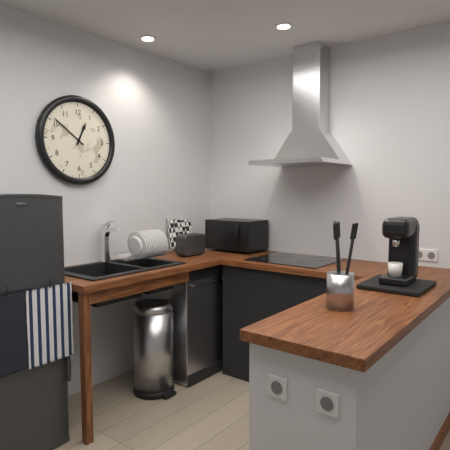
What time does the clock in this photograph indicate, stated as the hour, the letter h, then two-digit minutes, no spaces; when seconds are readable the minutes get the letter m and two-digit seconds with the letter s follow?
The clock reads 12h51
